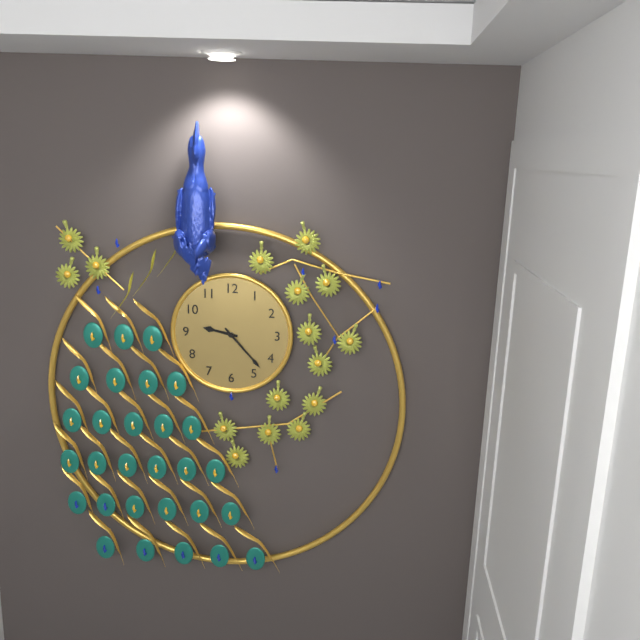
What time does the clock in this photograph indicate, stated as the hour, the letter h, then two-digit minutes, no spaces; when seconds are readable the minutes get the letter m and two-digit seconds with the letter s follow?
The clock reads 9h23
